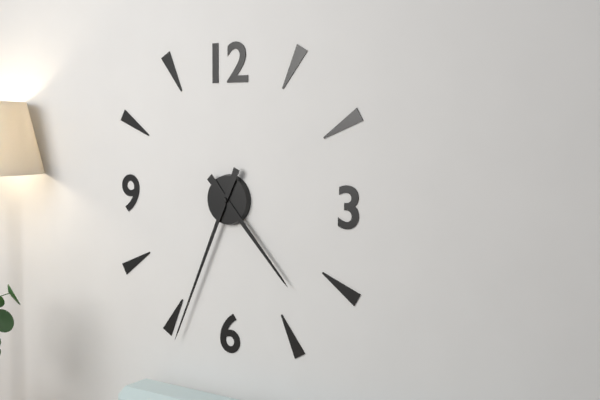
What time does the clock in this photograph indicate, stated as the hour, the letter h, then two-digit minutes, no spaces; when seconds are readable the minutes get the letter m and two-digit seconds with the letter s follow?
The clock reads 4h34
